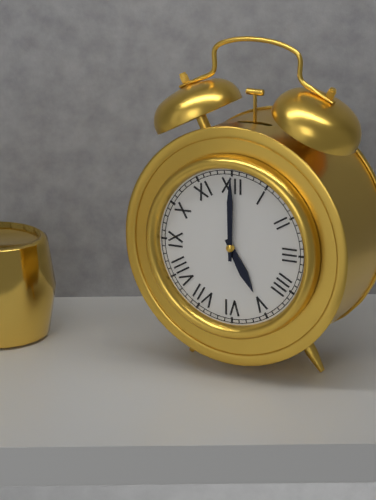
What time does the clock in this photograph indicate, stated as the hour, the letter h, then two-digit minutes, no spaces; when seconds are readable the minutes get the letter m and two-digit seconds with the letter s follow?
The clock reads 5h00
